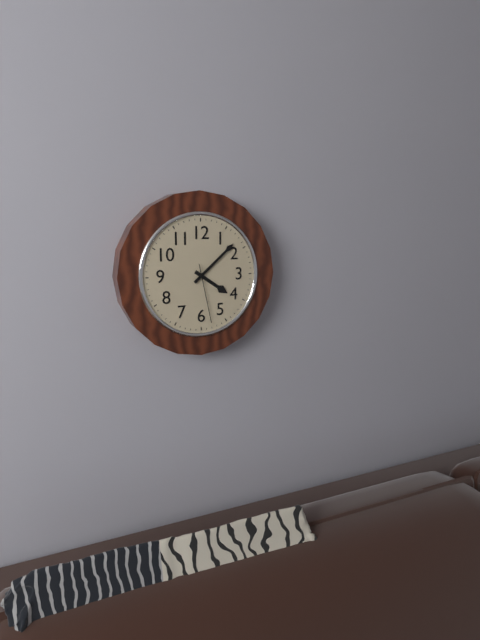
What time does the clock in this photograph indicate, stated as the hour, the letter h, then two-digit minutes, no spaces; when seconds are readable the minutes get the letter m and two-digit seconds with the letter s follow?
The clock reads 4h08m28s
